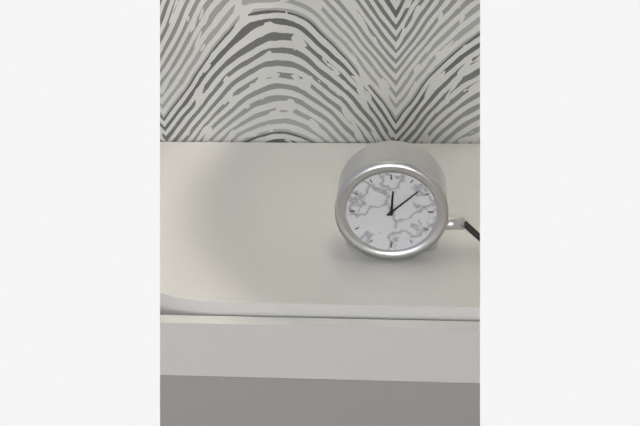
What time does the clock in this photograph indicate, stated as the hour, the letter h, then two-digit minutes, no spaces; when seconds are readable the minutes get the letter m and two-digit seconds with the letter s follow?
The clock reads 12h08
